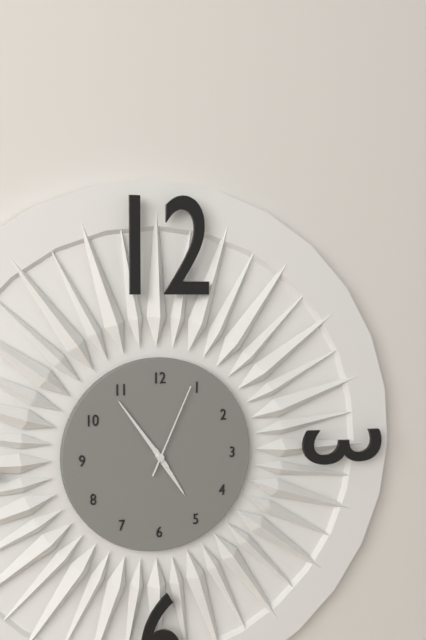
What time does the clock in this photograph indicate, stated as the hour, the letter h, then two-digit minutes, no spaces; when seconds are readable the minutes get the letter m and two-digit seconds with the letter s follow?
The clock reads 4h54m04s
